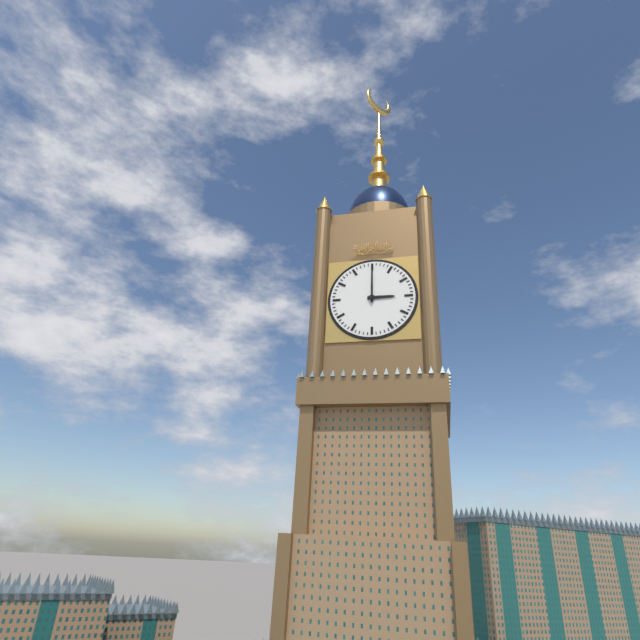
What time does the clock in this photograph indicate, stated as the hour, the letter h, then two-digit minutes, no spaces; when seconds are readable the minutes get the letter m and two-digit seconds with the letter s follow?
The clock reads 3h00
